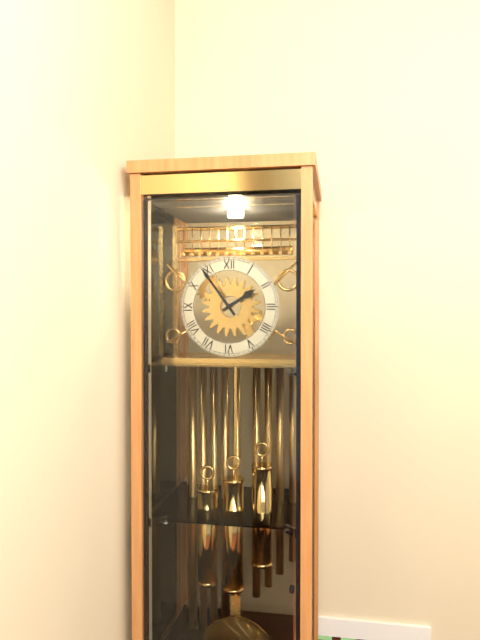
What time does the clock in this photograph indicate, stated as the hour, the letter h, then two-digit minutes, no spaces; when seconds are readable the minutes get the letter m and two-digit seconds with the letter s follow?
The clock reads 1h54
